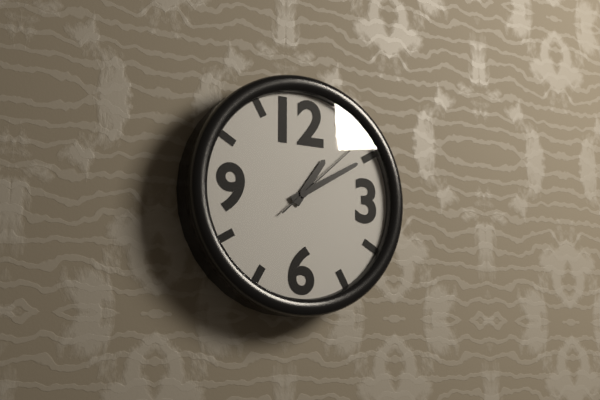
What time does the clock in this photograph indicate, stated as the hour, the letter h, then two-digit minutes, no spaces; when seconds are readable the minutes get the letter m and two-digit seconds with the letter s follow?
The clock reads 1h10m08s
